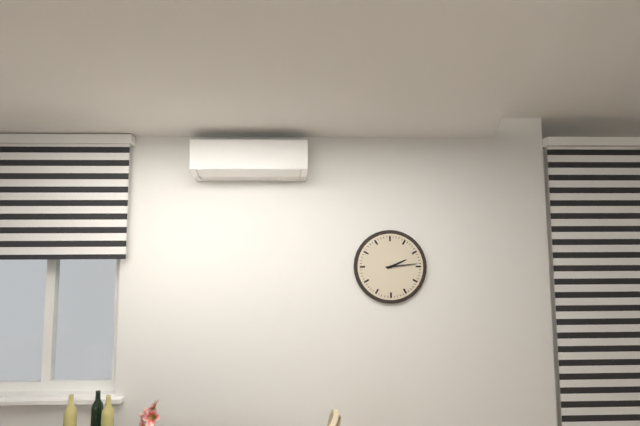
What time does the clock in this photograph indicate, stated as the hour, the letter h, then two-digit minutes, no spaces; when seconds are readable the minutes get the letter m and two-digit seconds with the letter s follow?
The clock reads 2h14
